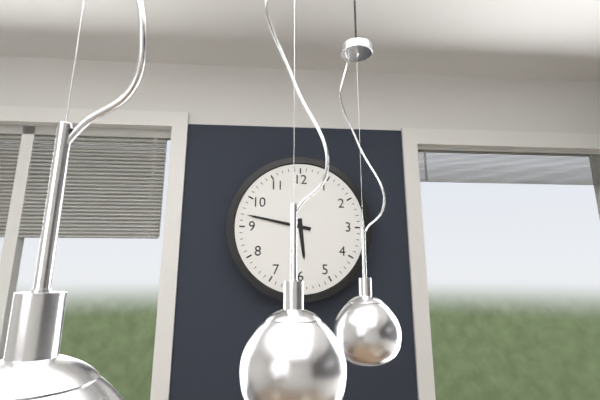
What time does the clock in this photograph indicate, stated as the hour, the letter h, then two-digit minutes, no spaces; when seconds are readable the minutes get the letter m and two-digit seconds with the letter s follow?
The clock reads 5h47
